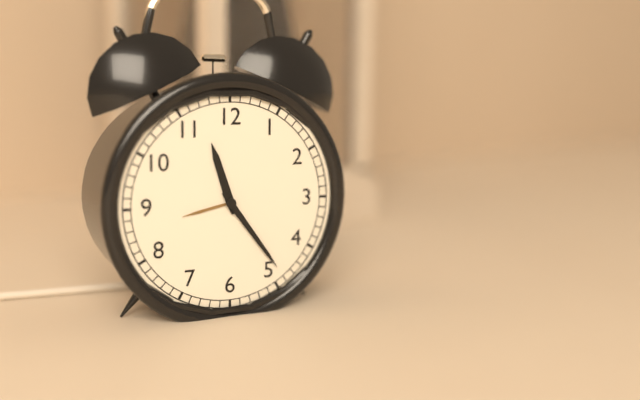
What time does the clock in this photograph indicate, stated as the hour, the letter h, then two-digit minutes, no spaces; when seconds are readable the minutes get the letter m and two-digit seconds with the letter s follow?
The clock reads 11h24
